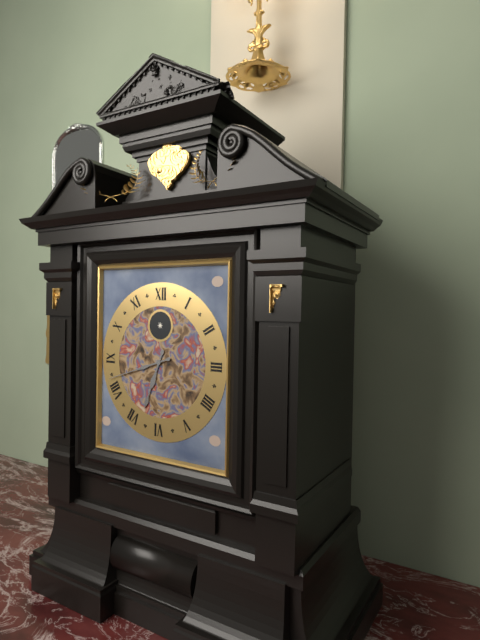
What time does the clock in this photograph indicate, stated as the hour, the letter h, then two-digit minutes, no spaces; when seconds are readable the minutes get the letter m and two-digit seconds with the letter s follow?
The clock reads 6h42
